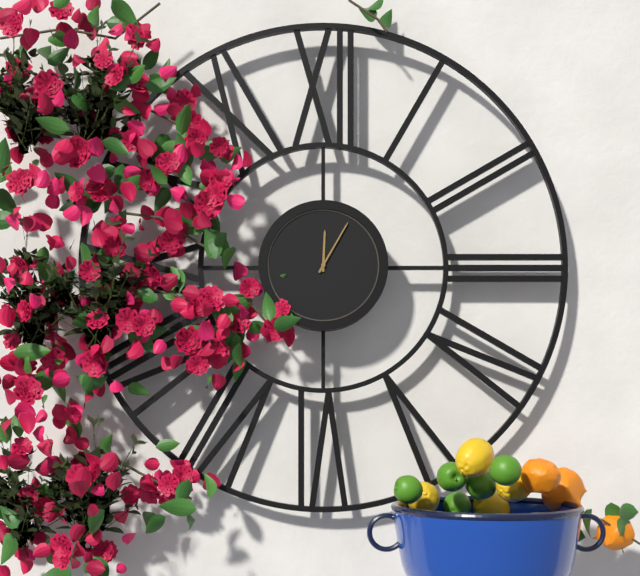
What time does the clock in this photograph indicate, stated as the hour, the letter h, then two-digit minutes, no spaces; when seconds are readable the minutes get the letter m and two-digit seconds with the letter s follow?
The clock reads 12h05
